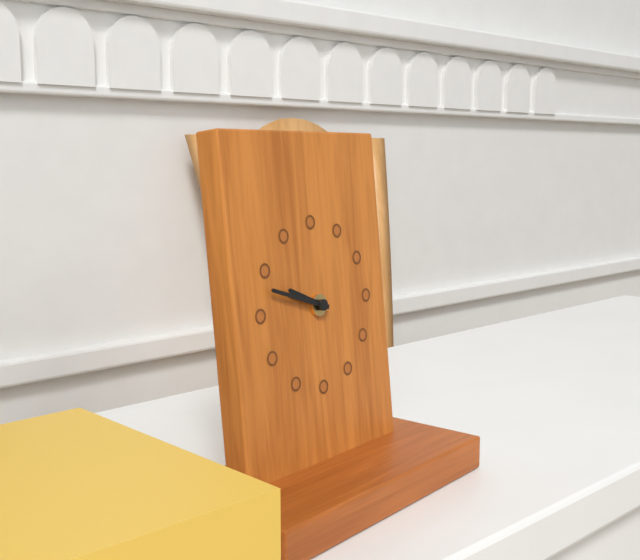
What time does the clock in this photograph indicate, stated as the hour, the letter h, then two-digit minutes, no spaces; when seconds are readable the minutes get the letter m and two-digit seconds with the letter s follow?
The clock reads 9h48
